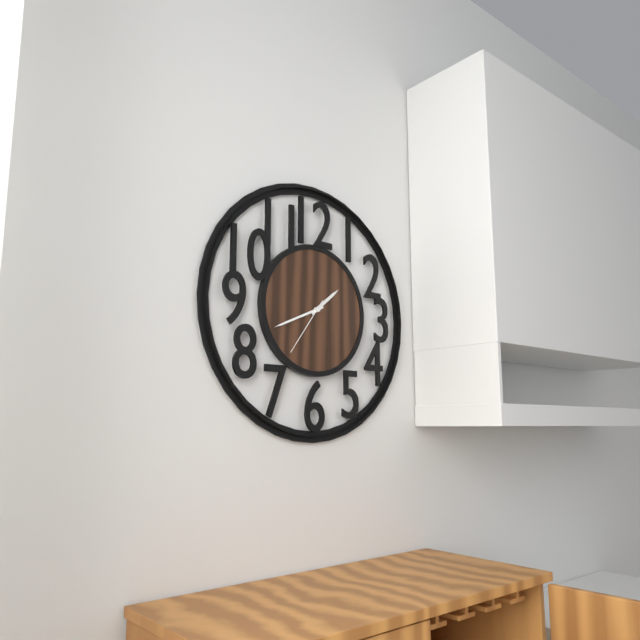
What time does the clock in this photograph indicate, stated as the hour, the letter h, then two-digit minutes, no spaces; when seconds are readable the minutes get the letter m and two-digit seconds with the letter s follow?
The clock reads 1h41m36s
